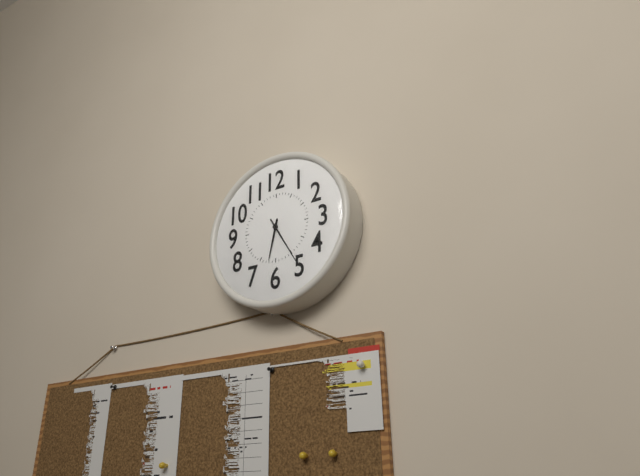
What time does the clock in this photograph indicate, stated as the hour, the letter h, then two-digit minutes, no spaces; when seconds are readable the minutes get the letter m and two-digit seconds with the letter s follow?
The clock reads 6h25
